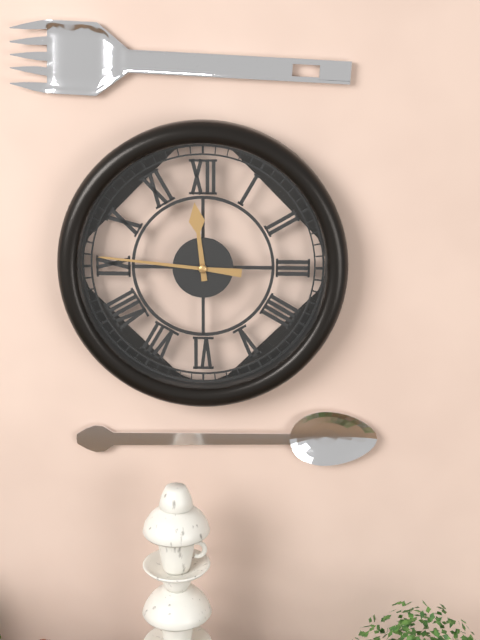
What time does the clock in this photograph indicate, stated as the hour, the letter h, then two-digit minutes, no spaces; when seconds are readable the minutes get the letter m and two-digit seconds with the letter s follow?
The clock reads 11h46
